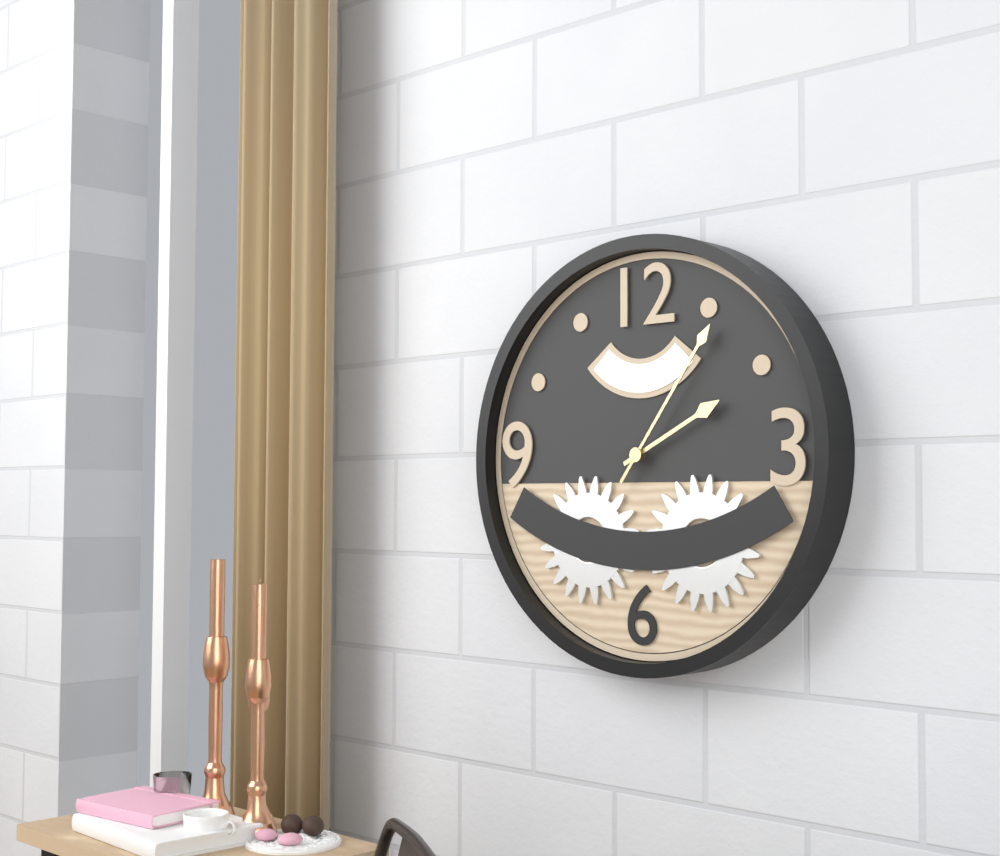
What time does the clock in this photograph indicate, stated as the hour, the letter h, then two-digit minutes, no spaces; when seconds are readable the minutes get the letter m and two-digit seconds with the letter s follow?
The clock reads 2h06
